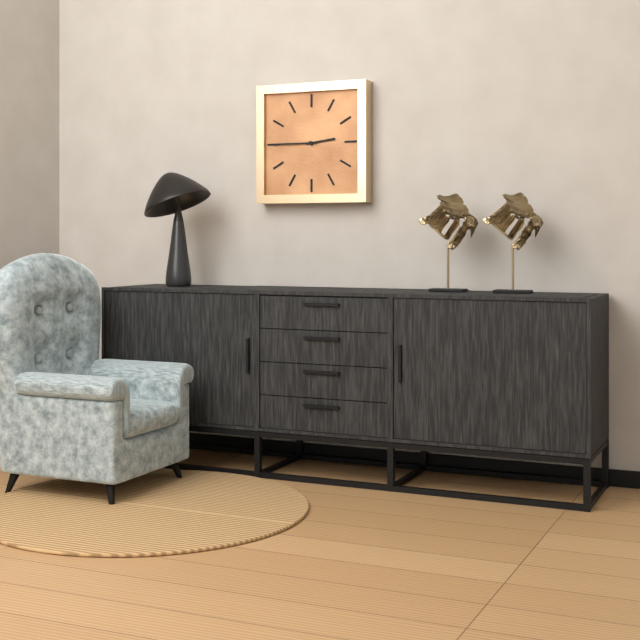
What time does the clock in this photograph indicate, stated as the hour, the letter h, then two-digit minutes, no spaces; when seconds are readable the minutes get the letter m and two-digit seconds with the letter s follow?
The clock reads 2h45
